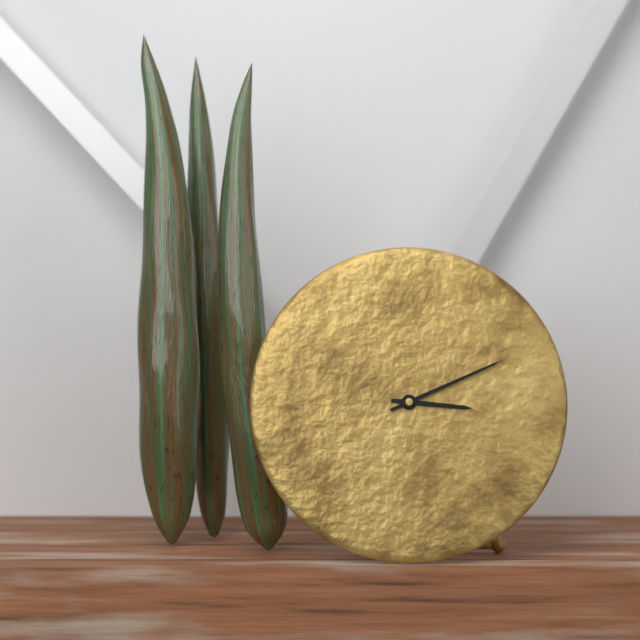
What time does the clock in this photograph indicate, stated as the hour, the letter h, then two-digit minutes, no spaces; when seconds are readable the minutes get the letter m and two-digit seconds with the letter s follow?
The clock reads 3h11
